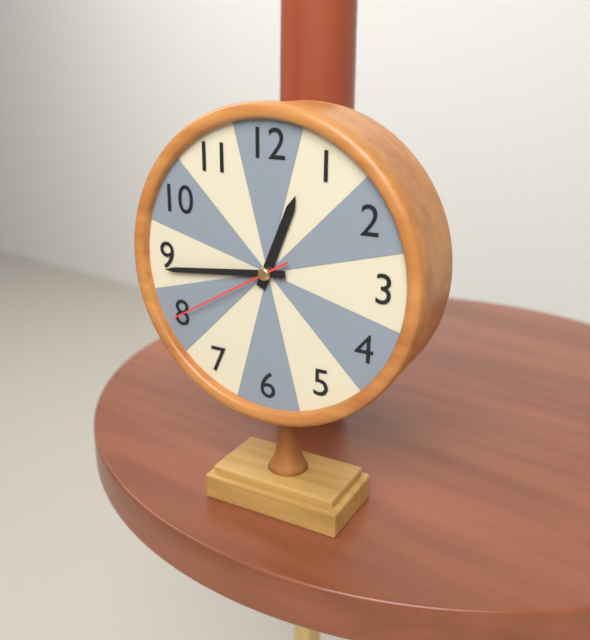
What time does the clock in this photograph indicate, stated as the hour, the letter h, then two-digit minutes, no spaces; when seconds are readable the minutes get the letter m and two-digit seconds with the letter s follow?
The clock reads 12h44m40s
